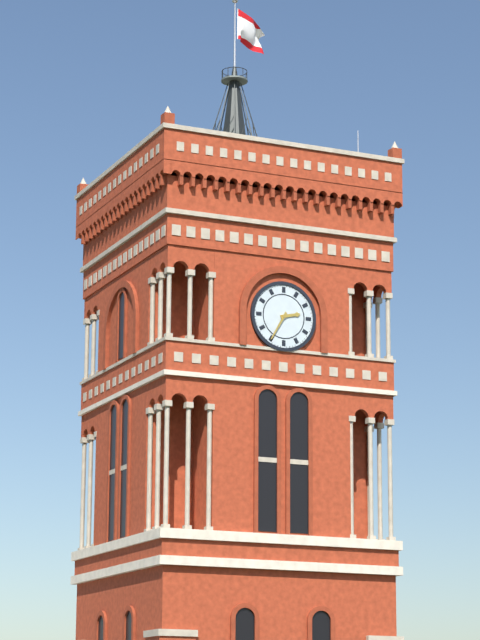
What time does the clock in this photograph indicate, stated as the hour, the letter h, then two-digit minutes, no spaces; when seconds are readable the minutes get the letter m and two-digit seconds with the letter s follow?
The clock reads 2h35
